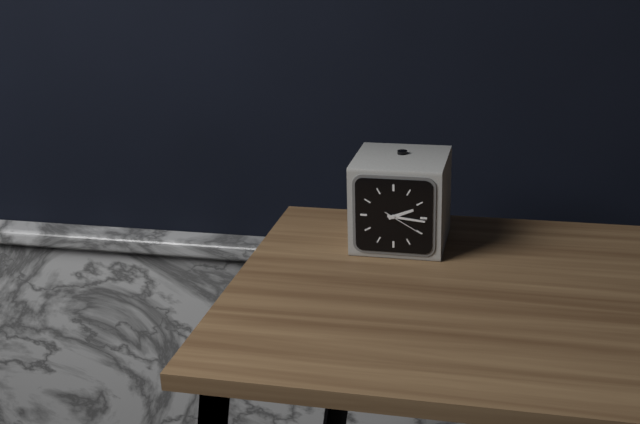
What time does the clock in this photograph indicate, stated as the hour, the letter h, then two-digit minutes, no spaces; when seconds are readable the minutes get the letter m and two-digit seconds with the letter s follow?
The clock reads 2h16
